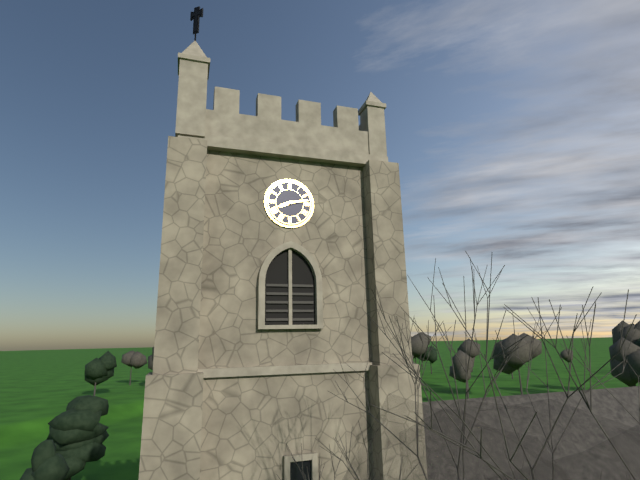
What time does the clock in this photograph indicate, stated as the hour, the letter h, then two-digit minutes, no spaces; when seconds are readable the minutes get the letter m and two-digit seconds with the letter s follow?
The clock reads 8h13
